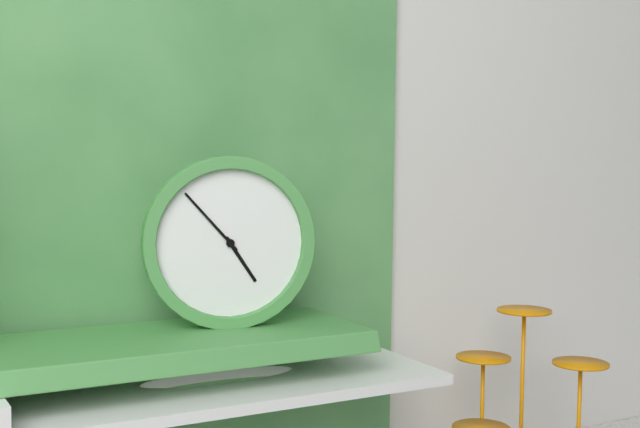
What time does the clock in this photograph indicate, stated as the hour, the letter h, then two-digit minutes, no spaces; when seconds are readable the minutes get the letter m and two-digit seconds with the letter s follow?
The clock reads 4h53
